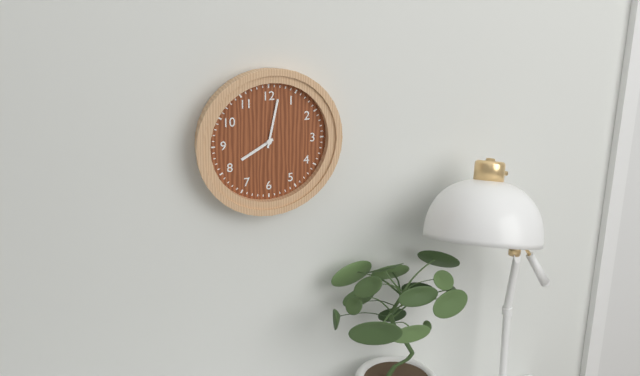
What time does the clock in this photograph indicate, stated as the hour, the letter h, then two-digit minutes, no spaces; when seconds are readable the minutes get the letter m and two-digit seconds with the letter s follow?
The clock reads 8h02
